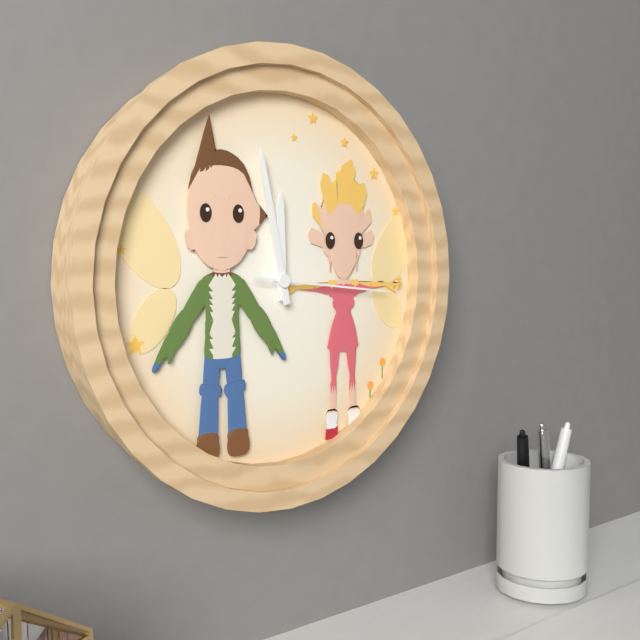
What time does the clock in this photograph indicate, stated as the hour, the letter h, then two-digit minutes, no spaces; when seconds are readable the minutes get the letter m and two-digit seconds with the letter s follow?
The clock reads 11h58m16s
